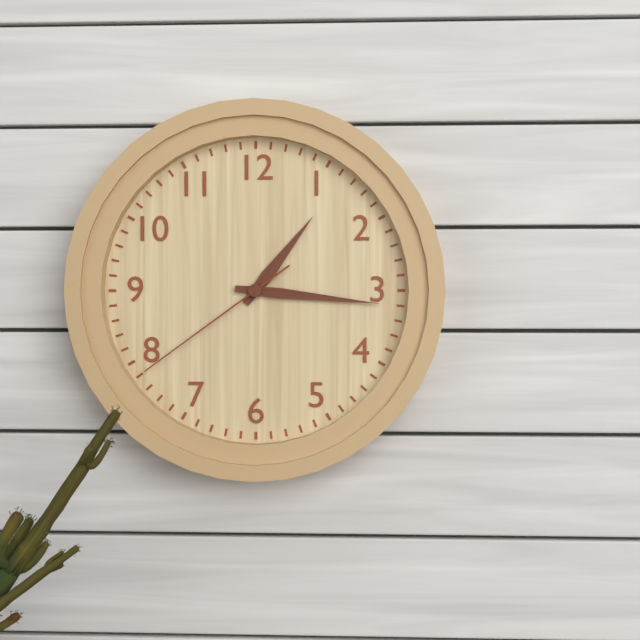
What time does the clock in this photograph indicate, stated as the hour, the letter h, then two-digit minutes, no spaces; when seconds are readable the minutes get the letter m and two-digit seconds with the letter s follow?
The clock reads 1h16m39s
